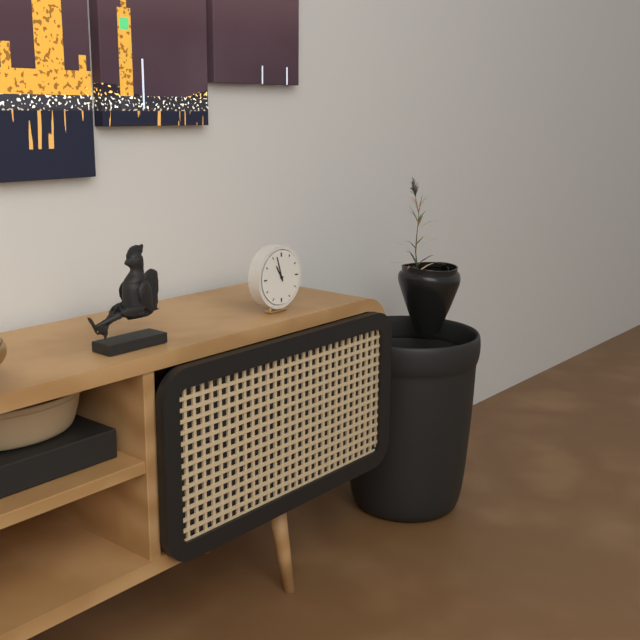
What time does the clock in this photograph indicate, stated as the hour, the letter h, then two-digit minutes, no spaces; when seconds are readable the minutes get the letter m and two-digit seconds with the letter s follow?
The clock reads 10h57
